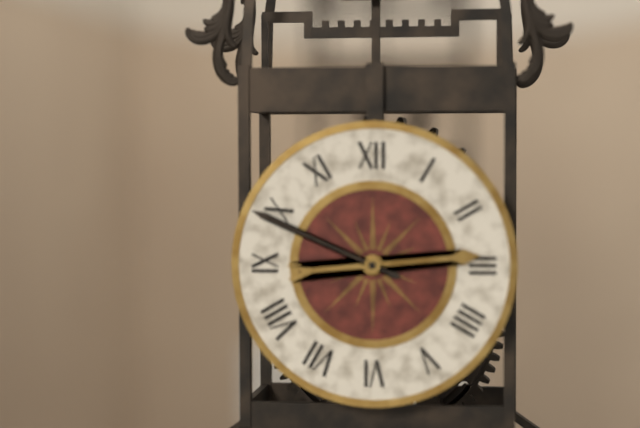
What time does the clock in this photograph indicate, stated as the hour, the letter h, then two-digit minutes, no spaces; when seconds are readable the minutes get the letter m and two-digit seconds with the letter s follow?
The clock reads 2h49
